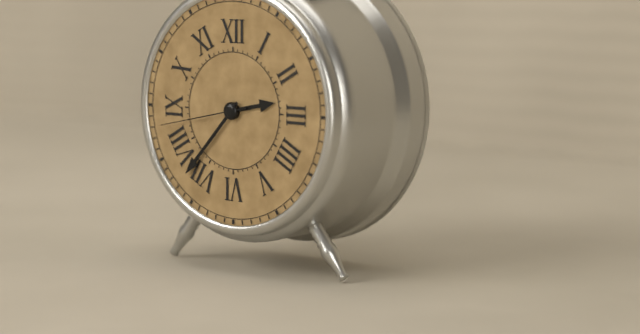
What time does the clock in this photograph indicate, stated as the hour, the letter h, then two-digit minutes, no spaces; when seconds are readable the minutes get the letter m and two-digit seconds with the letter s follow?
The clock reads 2h37m43s
